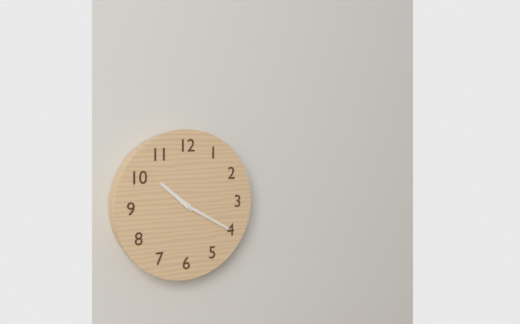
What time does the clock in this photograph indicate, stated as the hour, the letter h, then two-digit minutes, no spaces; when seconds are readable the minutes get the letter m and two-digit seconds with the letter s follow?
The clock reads 10h20
